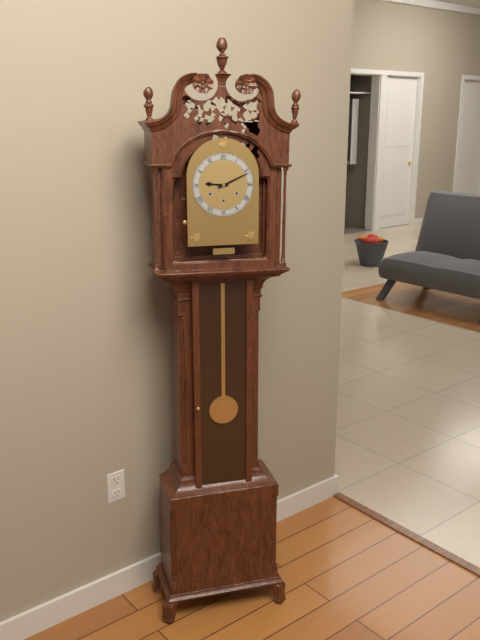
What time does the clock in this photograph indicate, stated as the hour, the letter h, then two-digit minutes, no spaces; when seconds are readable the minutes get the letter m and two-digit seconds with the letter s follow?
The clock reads 9h11
